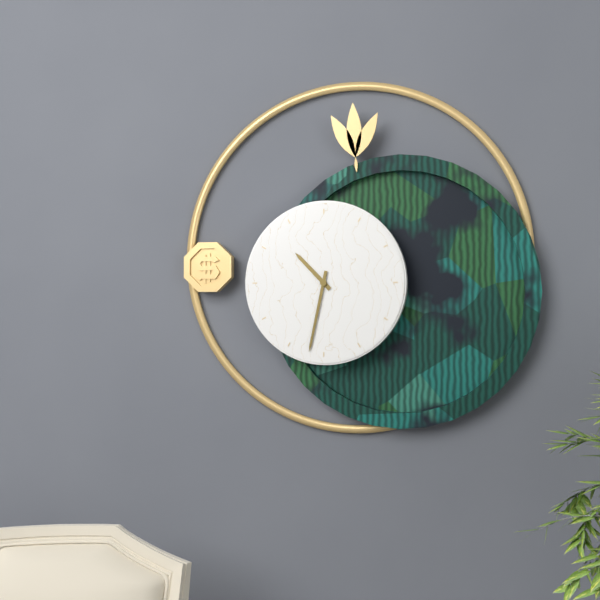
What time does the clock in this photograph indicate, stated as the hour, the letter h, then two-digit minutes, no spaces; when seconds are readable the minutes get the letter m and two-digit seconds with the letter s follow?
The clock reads 10h32
